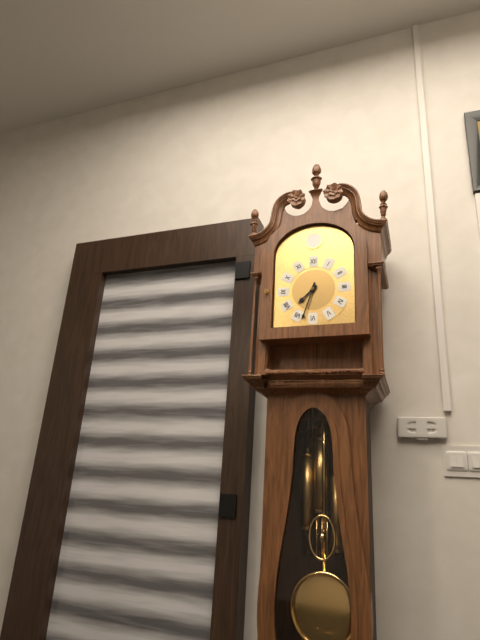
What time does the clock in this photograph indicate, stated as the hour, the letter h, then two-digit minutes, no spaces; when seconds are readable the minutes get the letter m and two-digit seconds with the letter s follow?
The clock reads 7h33
